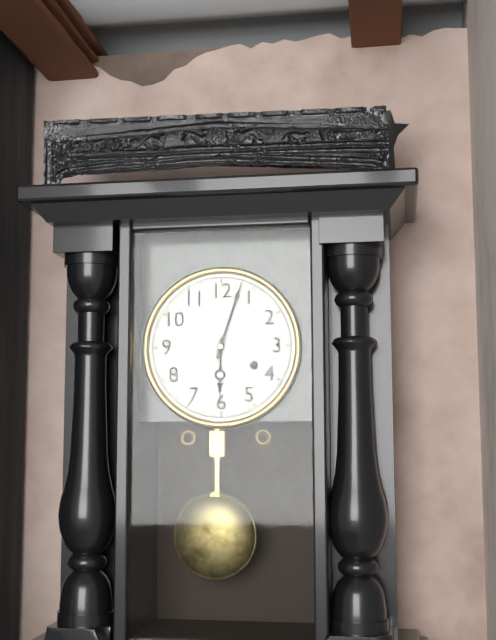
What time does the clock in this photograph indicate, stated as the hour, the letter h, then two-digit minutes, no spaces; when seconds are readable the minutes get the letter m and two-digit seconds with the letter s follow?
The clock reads 6h03
